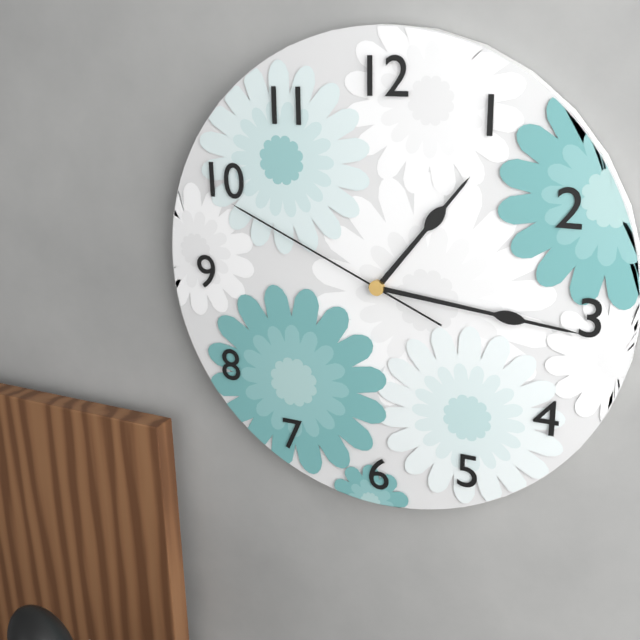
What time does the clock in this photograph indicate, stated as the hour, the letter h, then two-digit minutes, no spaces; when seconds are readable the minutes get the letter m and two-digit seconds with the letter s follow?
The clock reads 1h16m49s
